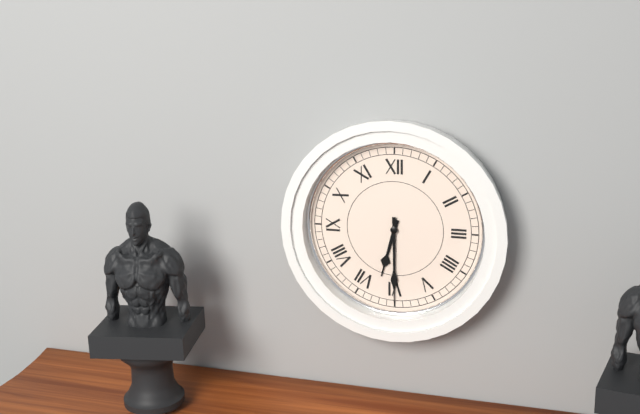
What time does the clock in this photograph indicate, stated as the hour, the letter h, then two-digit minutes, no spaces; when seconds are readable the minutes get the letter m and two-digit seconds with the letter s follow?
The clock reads 6h30
